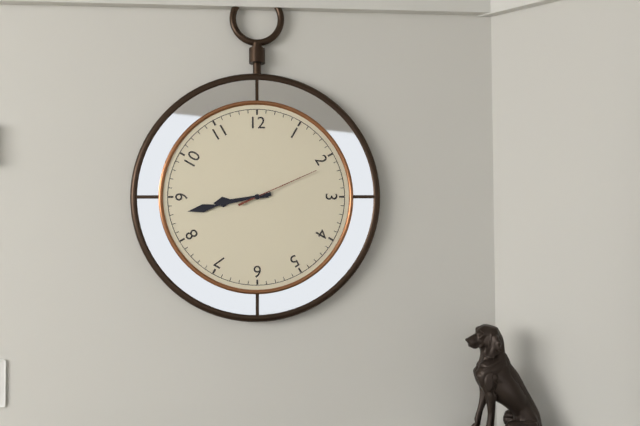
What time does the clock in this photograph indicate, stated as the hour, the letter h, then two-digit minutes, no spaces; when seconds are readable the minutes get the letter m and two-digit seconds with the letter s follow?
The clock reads 8h43m11s
